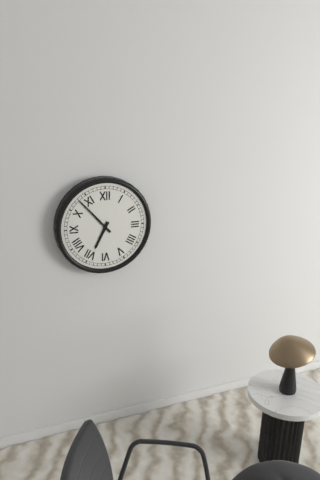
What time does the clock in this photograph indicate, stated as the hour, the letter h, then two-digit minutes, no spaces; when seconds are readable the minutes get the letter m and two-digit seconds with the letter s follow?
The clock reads 6h53
